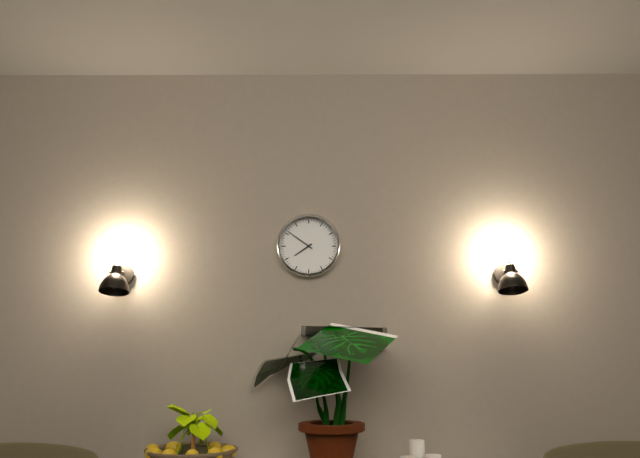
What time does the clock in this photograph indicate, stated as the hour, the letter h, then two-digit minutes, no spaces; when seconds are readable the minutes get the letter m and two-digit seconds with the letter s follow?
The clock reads 7h51
